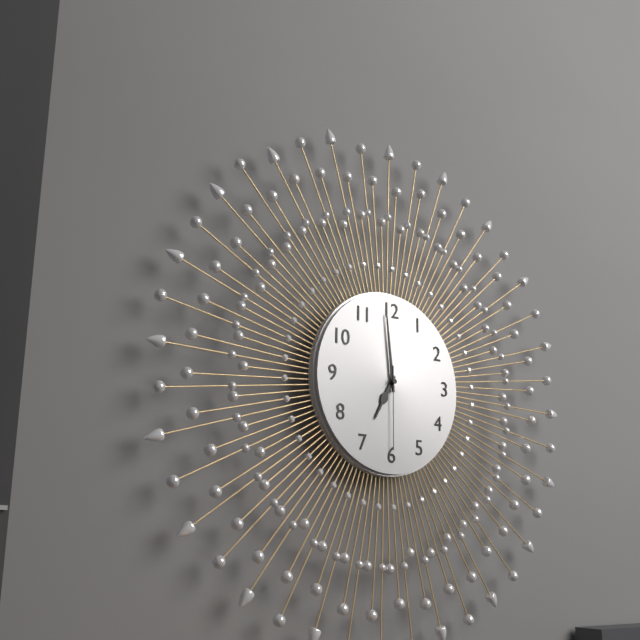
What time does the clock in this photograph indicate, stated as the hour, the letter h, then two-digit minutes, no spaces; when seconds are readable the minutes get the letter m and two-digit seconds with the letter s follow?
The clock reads 6h59m30s
